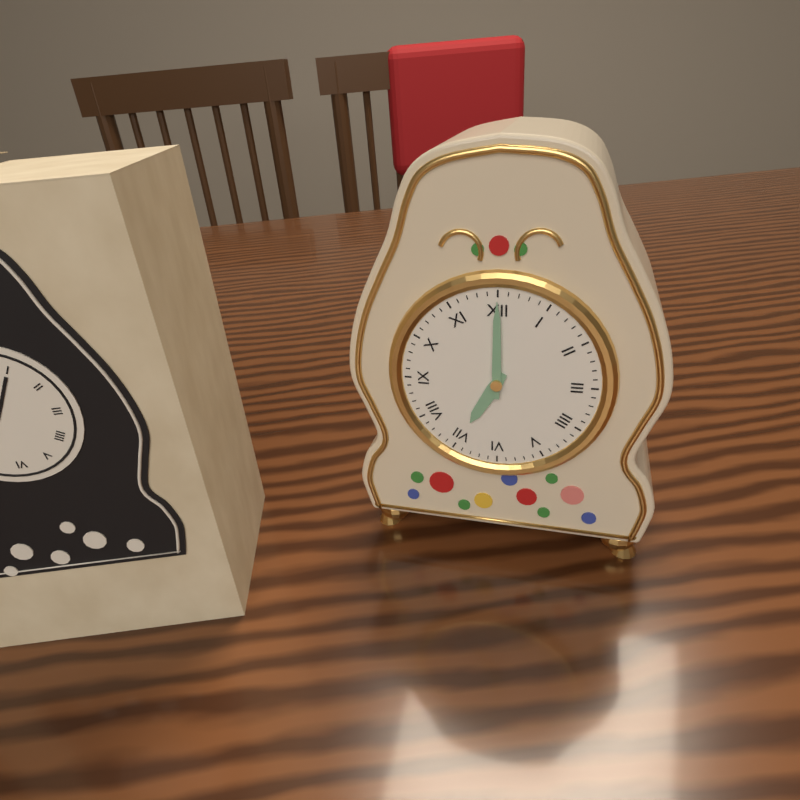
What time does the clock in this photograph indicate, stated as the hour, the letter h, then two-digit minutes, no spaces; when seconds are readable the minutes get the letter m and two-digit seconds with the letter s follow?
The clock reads 7h00
